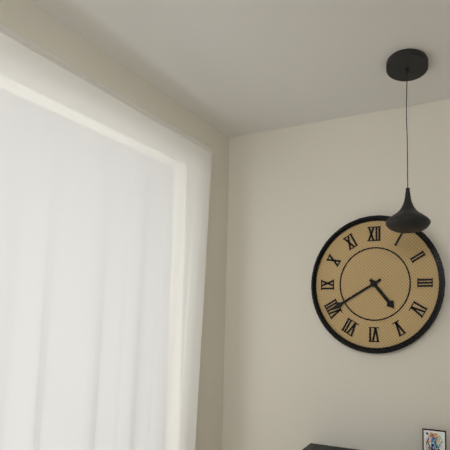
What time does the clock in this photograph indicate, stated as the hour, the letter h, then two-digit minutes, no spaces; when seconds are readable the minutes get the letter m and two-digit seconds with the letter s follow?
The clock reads 4h40
